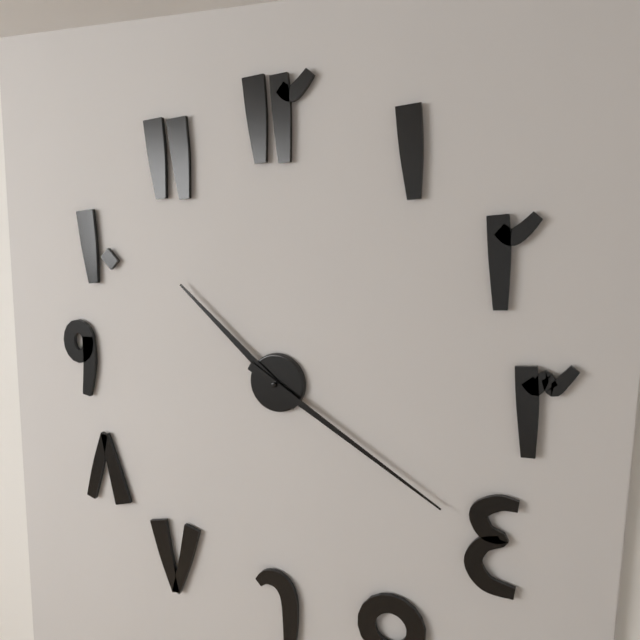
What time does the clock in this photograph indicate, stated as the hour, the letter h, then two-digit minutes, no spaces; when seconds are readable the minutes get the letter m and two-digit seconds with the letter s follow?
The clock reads 10h20
